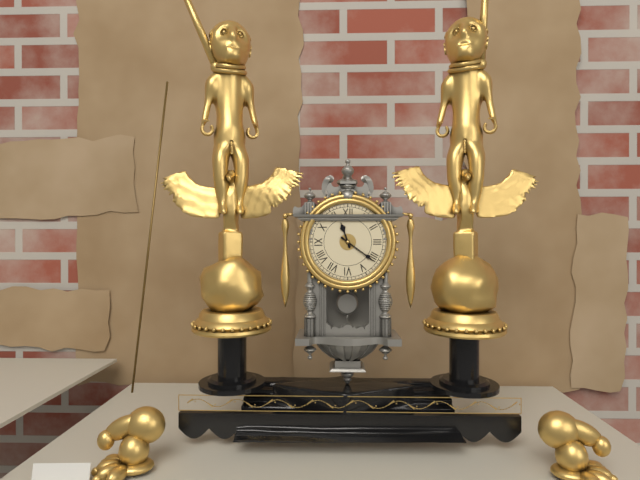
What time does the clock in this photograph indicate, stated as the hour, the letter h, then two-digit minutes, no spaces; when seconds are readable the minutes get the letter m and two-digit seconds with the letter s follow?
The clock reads 11h21
